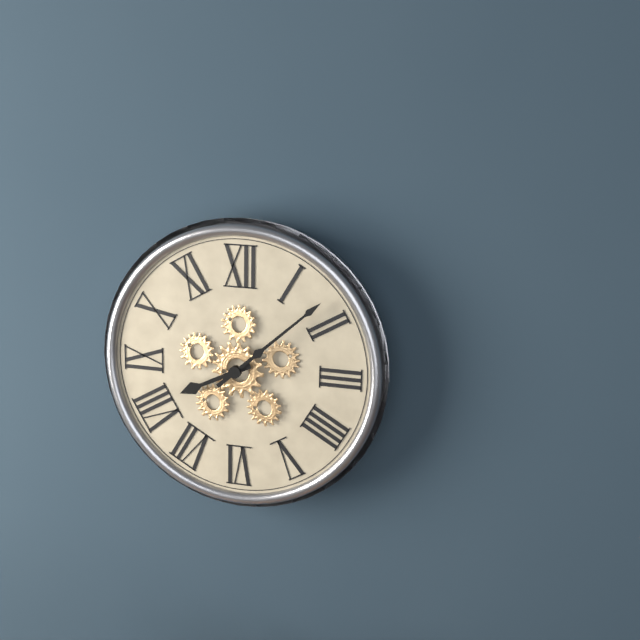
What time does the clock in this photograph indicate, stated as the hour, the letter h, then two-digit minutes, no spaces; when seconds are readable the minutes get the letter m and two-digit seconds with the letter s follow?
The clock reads 8h08
